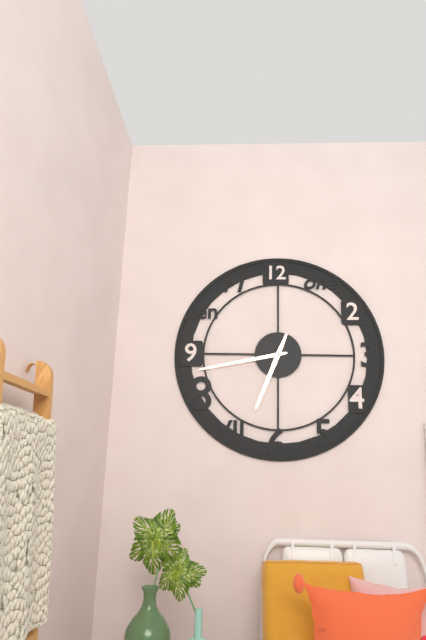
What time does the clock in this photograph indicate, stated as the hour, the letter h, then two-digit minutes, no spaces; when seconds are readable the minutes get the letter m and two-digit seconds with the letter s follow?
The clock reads 6h43
